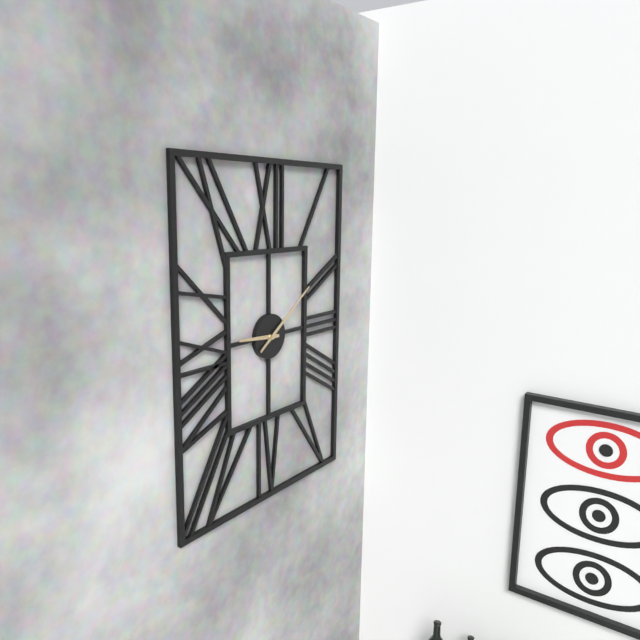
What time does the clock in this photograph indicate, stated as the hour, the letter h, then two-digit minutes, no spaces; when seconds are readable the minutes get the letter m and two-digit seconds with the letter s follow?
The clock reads 9h09
